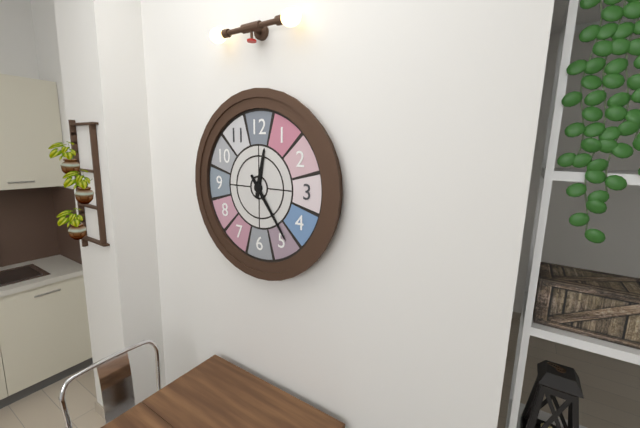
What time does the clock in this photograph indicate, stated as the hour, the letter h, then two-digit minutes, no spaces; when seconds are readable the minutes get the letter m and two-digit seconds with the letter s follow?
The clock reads 12h24
